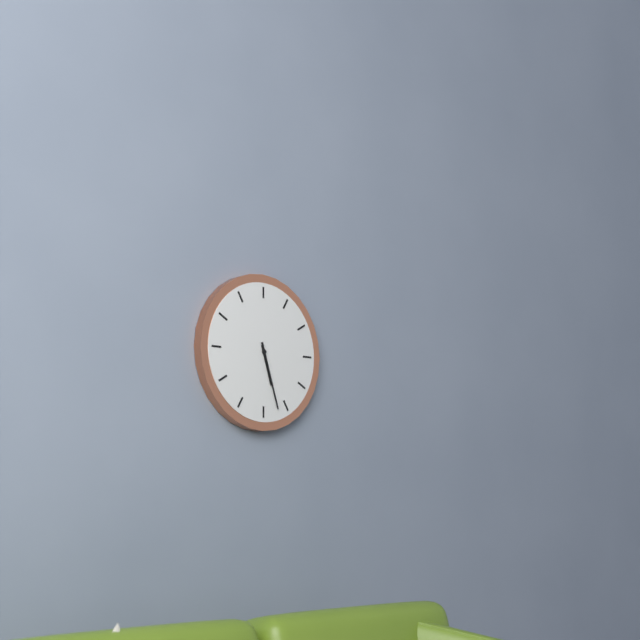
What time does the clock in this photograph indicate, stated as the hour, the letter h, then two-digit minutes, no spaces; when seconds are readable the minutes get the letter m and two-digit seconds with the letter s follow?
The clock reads 5h27
